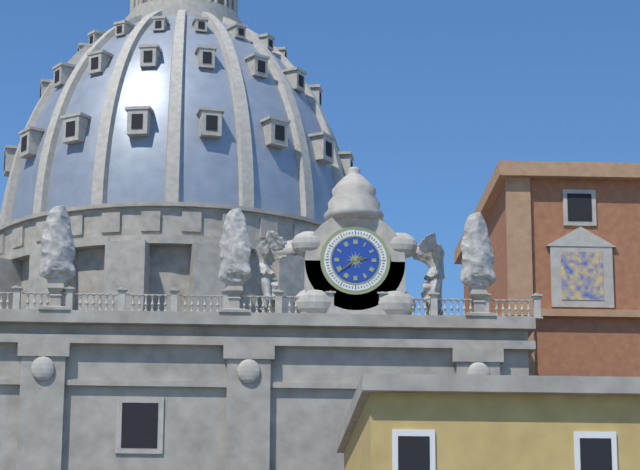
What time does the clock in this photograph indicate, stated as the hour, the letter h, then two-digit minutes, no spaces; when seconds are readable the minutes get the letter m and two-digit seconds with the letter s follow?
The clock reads 2h39
